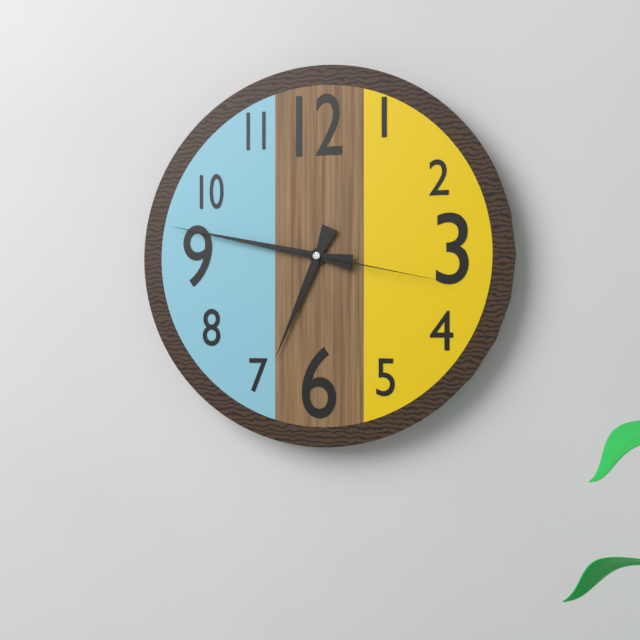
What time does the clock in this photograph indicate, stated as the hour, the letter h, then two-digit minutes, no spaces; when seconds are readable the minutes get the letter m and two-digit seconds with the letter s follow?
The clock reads 6h47m17s
